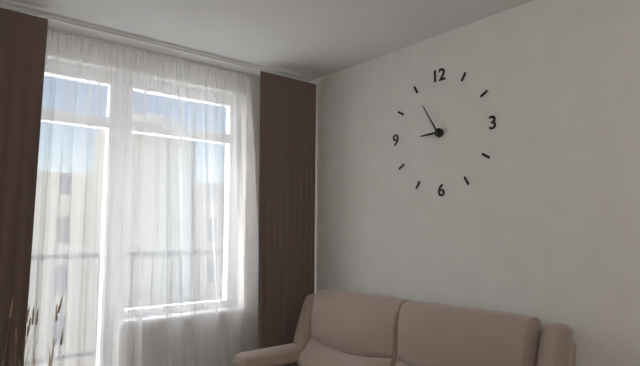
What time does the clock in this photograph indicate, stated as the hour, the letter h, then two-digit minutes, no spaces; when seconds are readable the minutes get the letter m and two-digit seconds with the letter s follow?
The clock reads 8h55
